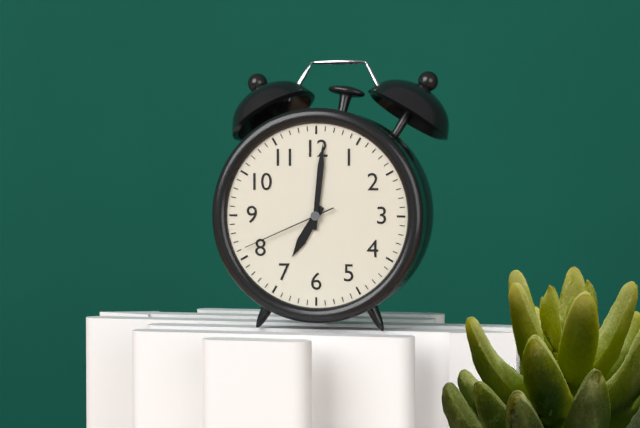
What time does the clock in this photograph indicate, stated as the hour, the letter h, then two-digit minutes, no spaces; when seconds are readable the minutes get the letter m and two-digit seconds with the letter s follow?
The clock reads 7h01m41s
